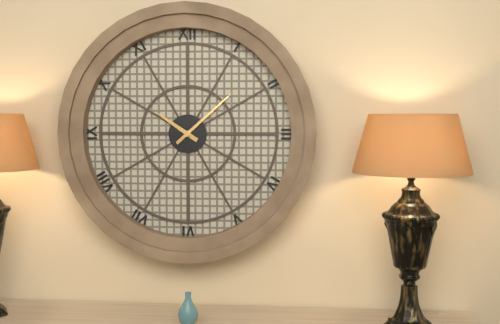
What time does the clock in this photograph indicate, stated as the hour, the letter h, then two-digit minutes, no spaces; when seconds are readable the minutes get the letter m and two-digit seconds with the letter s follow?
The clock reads 10h08
